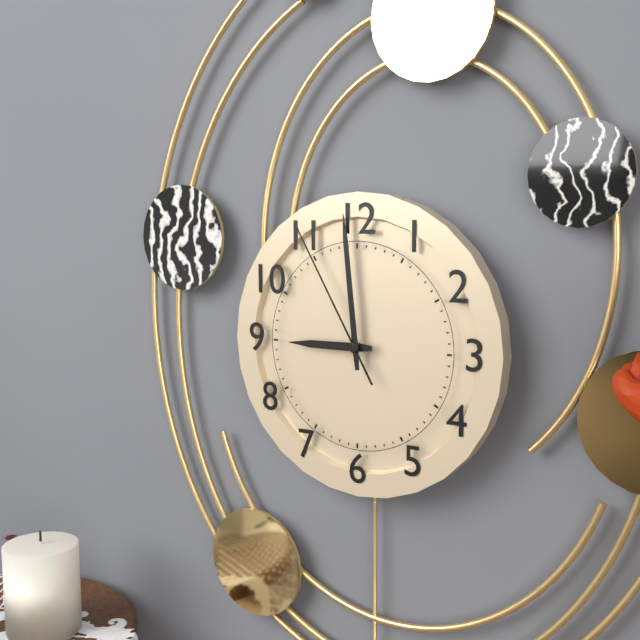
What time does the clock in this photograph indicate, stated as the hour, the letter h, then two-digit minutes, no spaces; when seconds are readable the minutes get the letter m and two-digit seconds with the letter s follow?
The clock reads 8h59m55s
